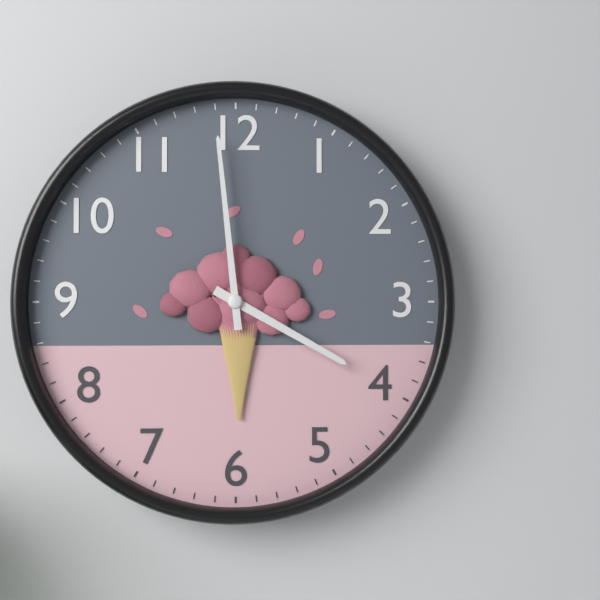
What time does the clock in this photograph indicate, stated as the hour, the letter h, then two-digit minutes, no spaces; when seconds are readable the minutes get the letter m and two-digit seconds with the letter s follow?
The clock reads 3h59
